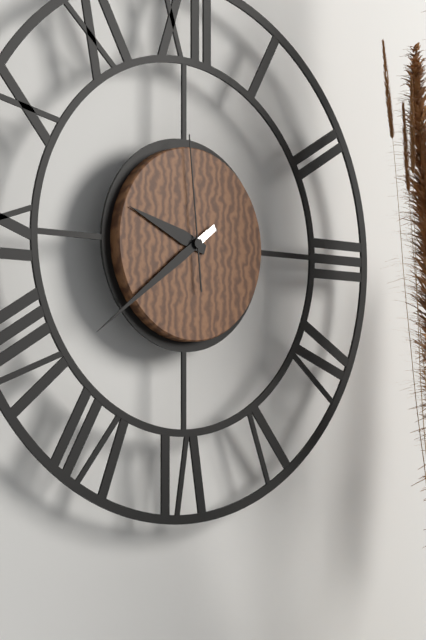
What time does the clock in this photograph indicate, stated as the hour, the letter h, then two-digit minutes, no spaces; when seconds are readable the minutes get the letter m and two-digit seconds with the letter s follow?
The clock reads 9h39m59s
